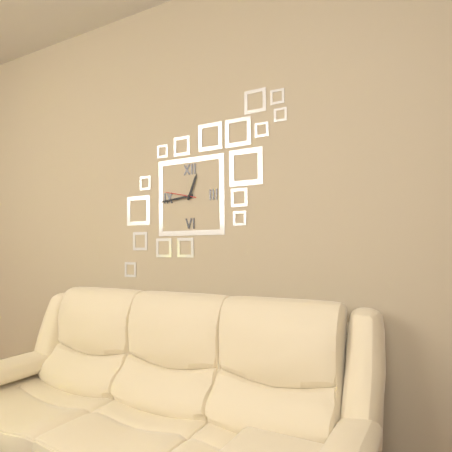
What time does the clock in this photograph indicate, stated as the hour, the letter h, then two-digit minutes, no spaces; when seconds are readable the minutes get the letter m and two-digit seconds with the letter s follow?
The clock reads 12h44
